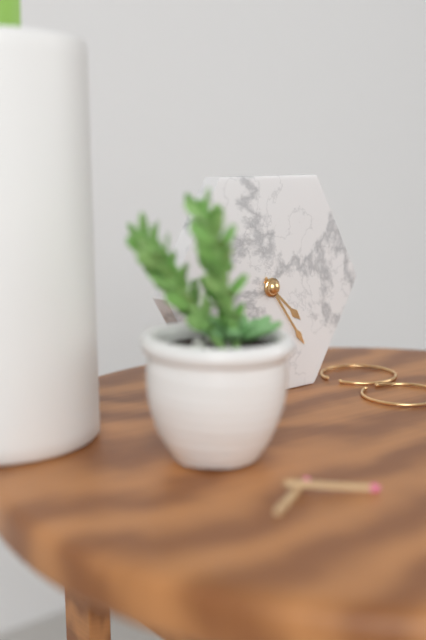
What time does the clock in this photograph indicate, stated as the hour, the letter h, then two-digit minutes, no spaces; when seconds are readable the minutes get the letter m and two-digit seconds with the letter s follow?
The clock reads 4h24
